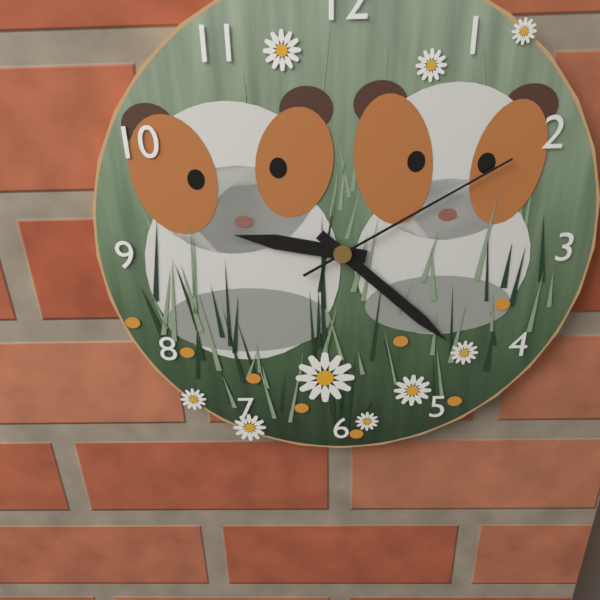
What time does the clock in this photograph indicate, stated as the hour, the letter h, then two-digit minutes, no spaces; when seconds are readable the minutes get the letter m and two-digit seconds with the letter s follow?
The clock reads 9h22m10s
